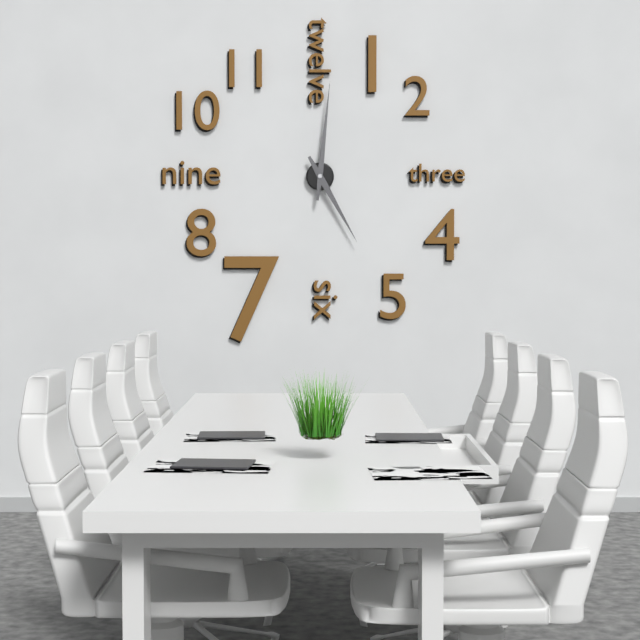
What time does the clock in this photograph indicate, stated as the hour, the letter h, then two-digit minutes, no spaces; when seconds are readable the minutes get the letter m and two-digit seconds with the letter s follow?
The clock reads 5h01
